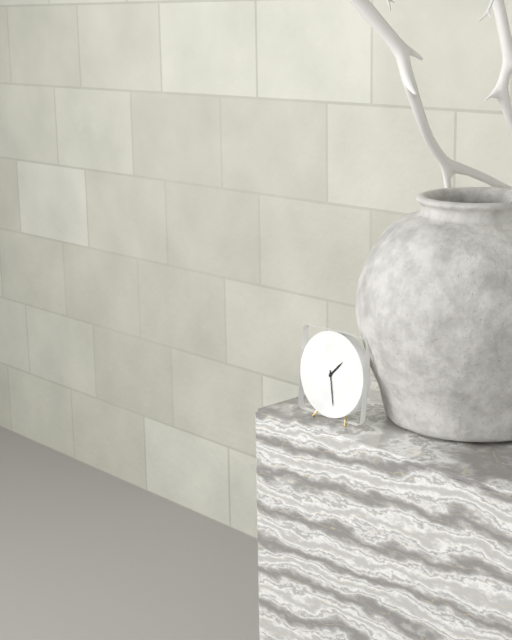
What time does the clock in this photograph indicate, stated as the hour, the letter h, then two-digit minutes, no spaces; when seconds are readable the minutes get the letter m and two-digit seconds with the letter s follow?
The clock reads 1h28
